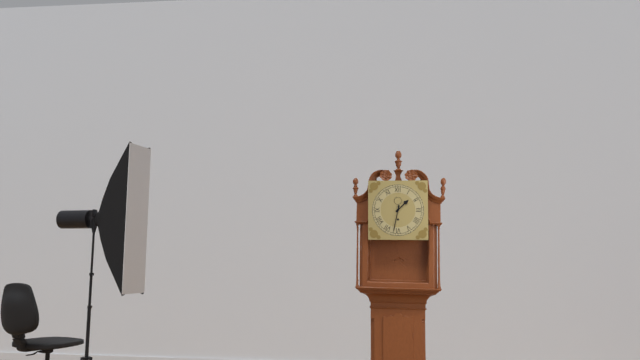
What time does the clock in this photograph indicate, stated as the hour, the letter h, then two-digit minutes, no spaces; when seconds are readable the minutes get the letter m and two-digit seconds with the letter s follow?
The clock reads 1h32
